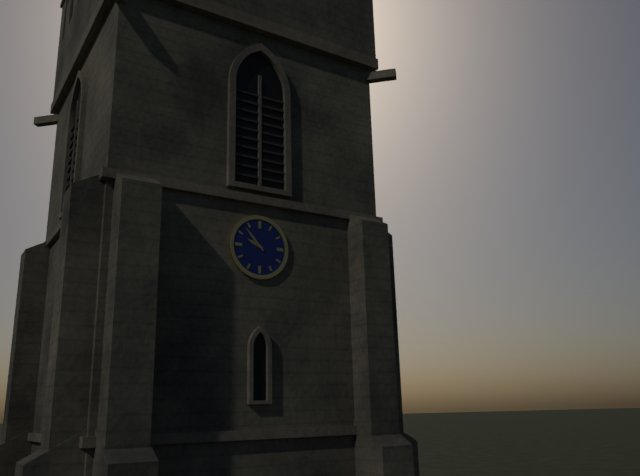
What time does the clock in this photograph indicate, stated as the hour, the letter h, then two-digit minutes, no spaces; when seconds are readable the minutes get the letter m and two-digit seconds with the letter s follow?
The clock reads 9h53
